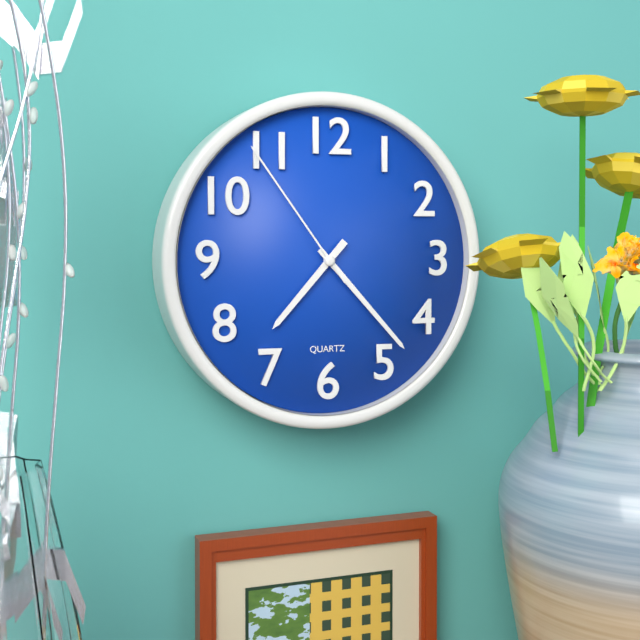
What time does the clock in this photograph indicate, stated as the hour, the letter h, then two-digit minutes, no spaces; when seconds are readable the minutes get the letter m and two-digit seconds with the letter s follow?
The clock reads 7h23m54s
